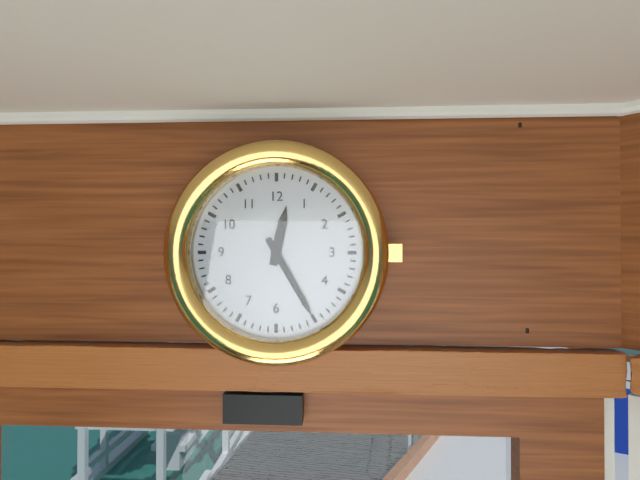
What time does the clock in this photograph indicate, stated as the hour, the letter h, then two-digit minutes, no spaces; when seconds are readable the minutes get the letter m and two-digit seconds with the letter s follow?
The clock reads 12h25
